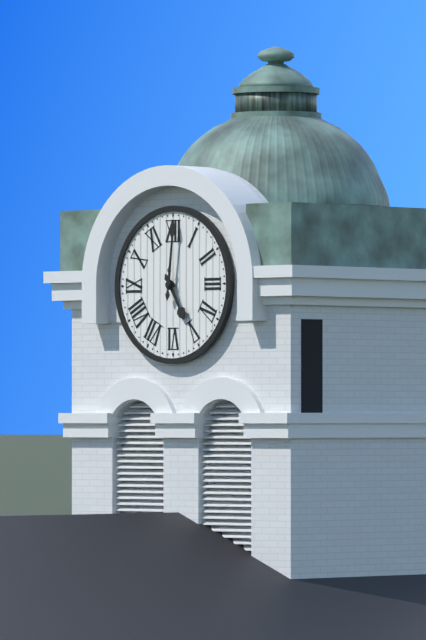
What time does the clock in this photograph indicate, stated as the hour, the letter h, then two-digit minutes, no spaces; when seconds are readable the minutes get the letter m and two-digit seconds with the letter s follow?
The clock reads 5h01
